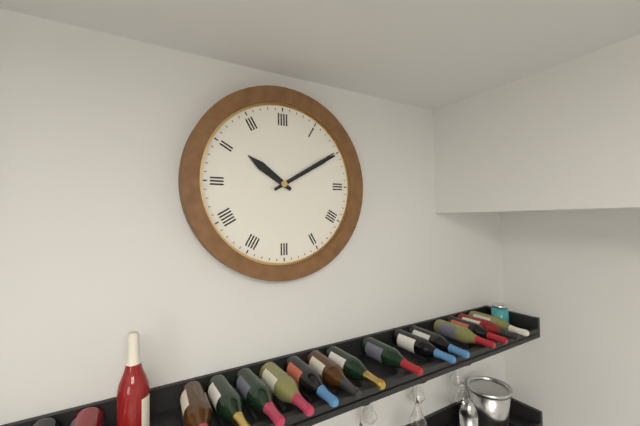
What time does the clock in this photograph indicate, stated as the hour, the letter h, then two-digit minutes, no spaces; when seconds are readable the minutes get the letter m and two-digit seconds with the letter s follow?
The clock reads 10h10
